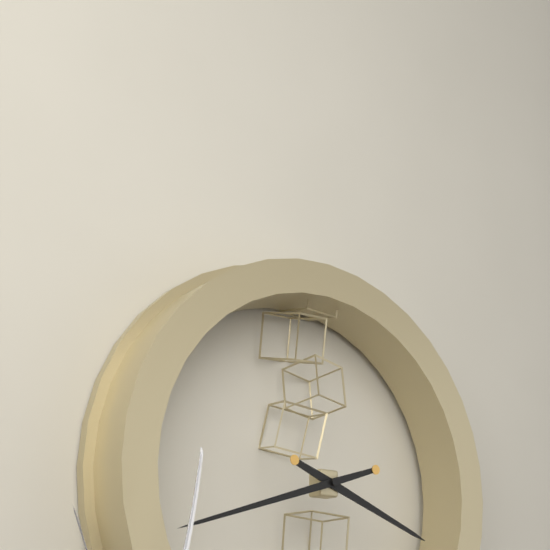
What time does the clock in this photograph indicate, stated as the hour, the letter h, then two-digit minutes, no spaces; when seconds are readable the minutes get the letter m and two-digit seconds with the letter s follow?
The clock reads 3h42
